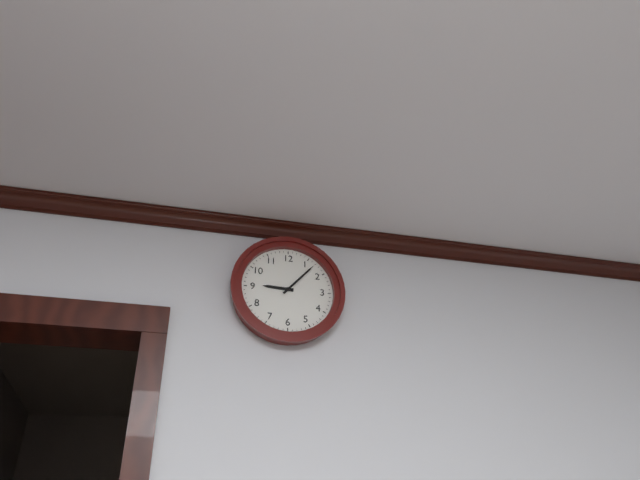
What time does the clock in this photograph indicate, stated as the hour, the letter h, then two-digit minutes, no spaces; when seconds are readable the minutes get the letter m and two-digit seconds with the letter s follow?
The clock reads 9h07
